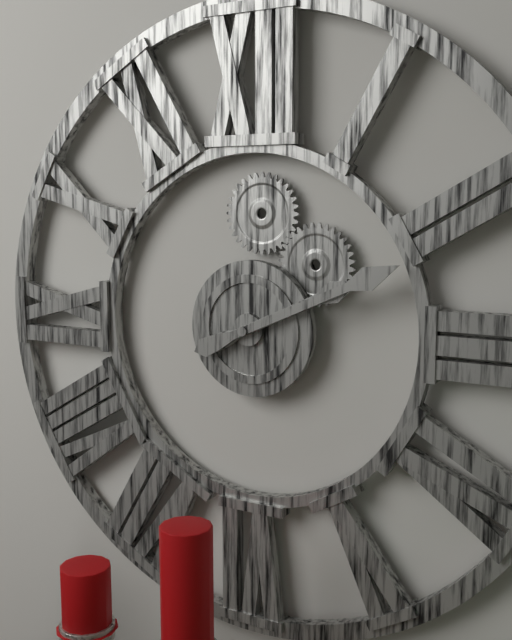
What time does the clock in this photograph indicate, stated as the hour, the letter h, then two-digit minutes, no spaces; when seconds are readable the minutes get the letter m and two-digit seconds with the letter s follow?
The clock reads 2h11
